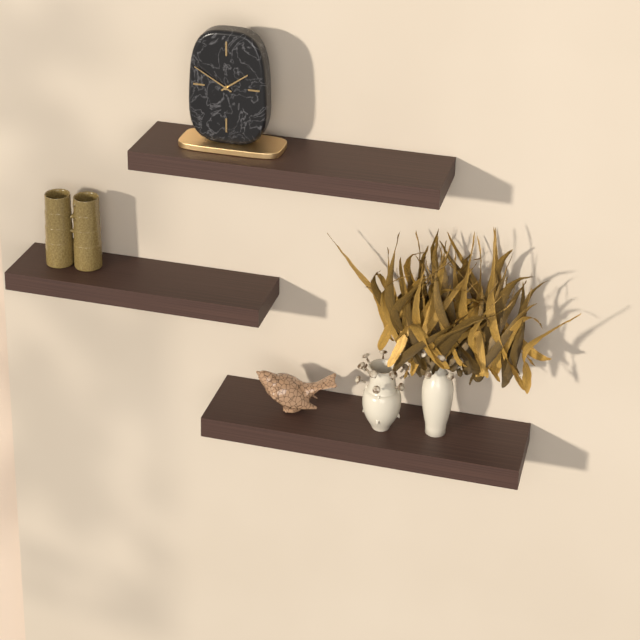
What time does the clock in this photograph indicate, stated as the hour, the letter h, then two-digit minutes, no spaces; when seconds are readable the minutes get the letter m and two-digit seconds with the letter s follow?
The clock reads 1h50
